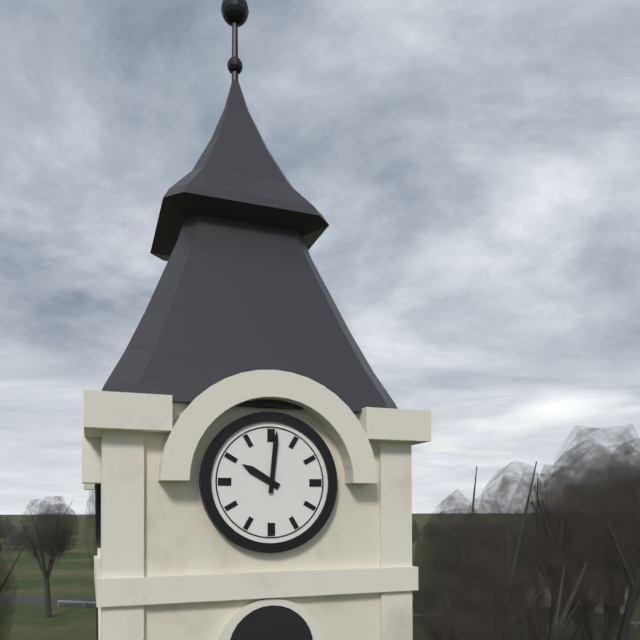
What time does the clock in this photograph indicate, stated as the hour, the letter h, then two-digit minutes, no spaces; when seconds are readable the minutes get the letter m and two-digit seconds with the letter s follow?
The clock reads 10h01
